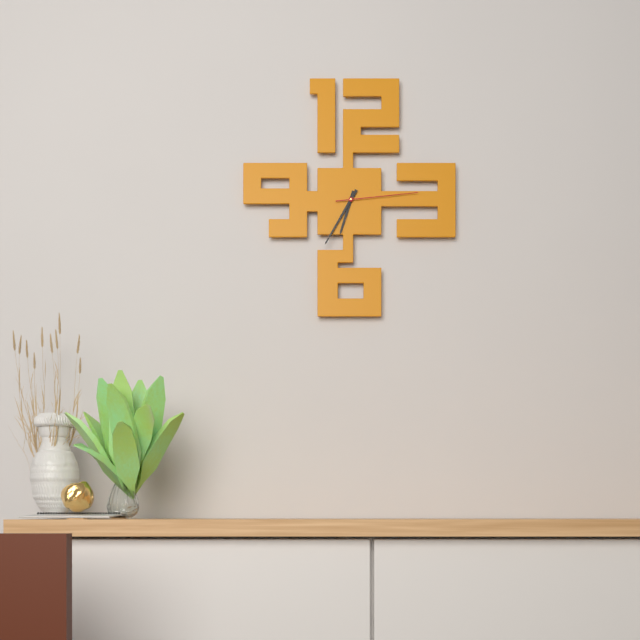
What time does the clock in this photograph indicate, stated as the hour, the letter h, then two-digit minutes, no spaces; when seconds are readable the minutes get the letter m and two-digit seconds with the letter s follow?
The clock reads 6h35m14s
